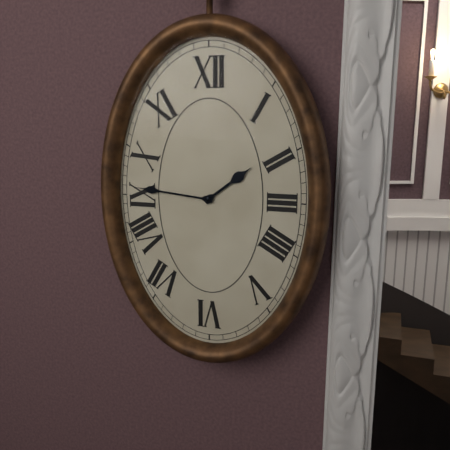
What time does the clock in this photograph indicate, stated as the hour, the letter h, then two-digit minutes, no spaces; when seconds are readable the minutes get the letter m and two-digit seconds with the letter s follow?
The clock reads 1h46
